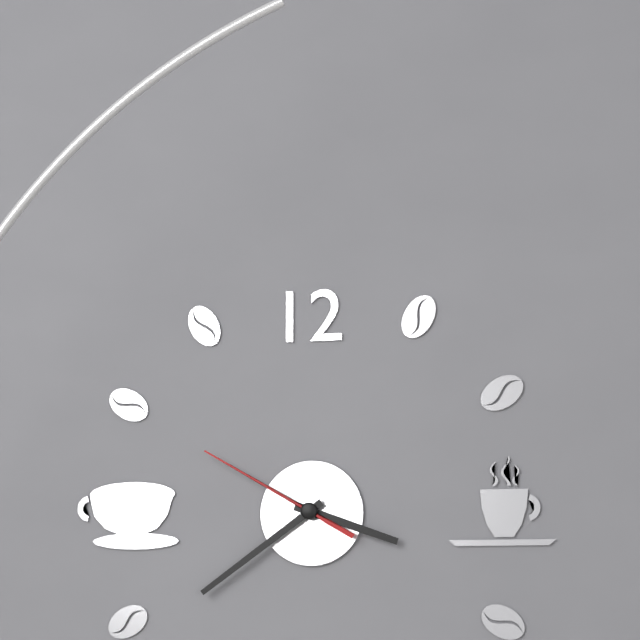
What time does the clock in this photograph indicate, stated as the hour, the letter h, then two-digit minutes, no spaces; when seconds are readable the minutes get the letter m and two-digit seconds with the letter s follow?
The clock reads 3h39m50s
